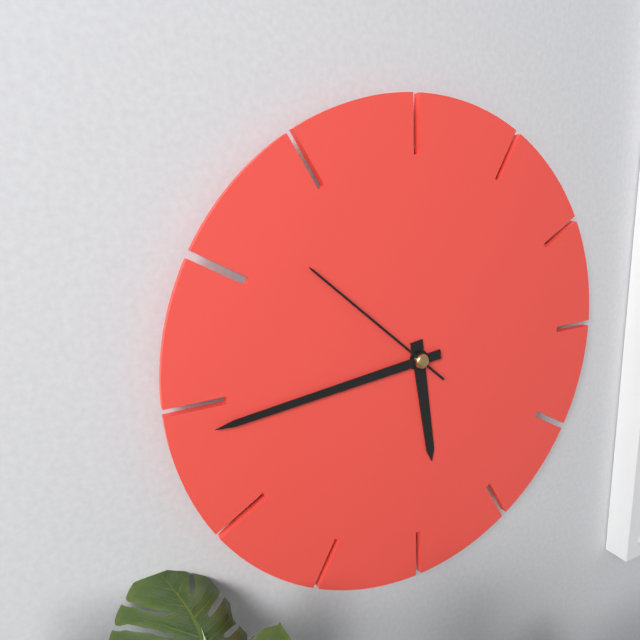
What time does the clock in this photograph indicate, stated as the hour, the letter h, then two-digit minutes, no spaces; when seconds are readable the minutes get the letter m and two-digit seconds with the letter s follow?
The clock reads 5h44m52s
